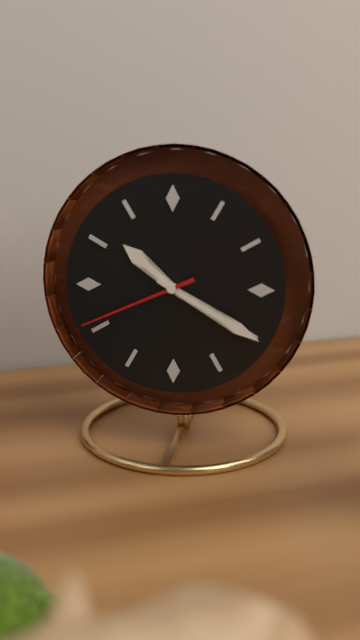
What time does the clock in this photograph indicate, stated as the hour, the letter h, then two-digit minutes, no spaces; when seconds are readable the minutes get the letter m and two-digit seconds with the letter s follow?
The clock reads 10h20m41s
